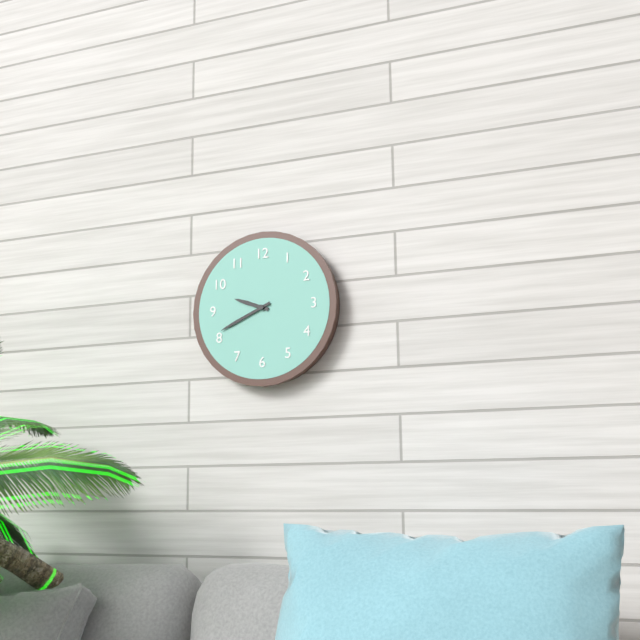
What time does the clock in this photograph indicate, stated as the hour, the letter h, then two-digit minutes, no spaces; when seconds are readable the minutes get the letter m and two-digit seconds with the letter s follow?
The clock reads 9h41
